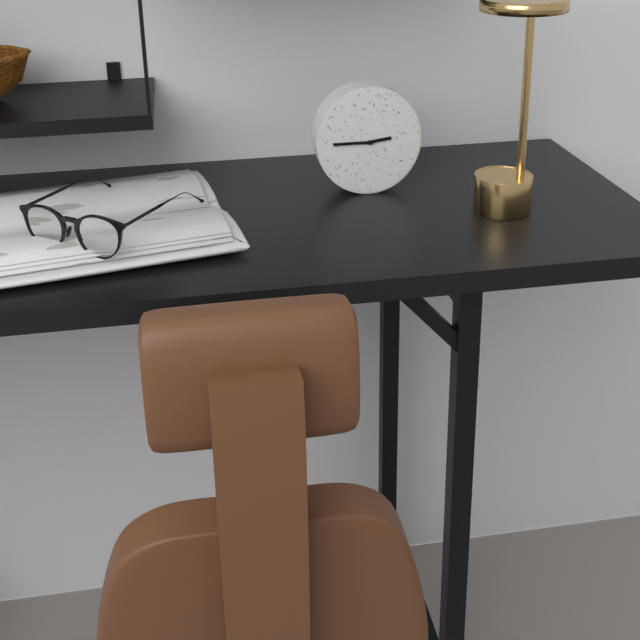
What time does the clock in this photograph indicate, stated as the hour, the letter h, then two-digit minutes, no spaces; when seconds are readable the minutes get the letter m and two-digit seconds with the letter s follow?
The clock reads 2h45
